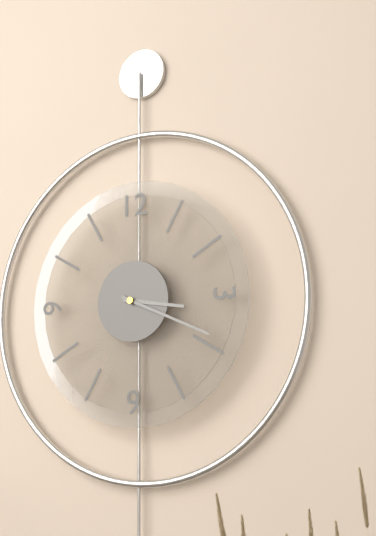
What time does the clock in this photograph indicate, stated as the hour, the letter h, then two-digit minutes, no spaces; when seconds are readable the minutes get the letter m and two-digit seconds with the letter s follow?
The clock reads 3h19
